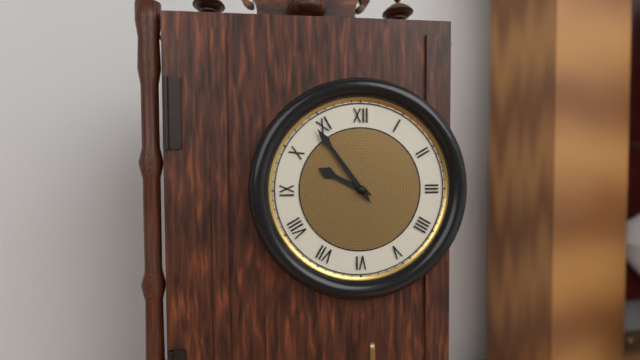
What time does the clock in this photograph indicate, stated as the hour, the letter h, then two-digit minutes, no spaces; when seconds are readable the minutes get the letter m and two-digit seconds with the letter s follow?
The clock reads 9h54
